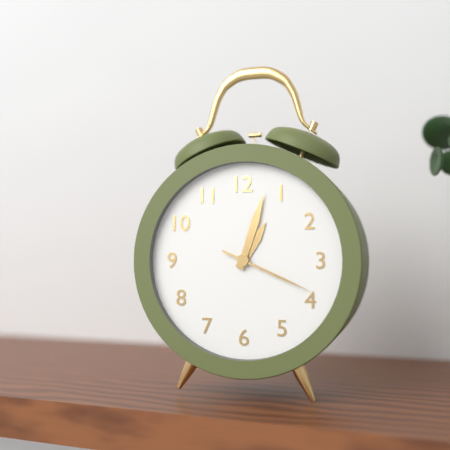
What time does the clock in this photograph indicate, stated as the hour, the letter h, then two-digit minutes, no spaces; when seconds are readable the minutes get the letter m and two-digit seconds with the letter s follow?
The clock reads 1h03m19s
